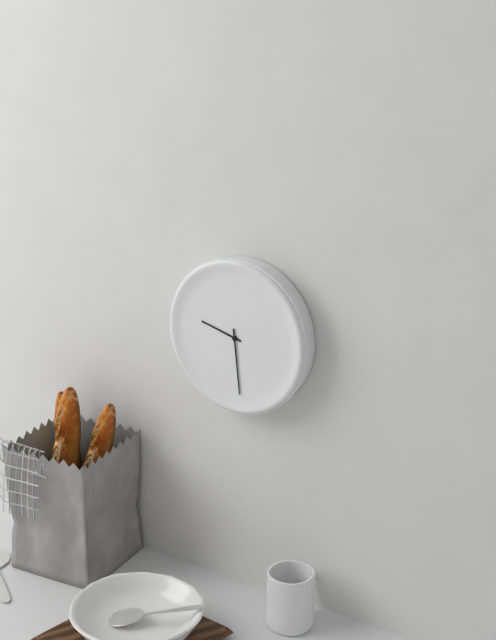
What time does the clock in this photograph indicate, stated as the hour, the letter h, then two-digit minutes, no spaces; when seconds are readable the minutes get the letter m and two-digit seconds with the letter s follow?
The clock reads 9h29
